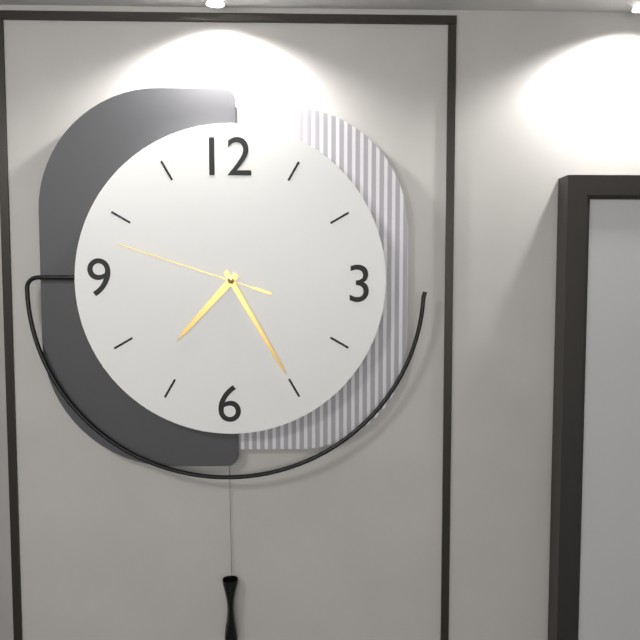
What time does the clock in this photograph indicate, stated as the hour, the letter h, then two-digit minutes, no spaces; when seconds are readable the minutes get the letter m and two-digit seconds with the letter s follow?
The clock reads 7h25m48s
